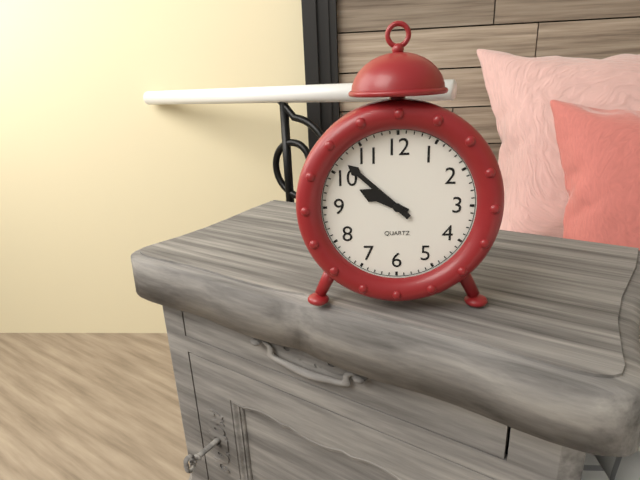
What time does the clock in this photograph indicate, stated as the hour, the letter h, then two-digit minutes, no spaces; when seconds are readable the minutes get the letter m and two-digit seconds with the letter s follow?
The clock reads 9h52
